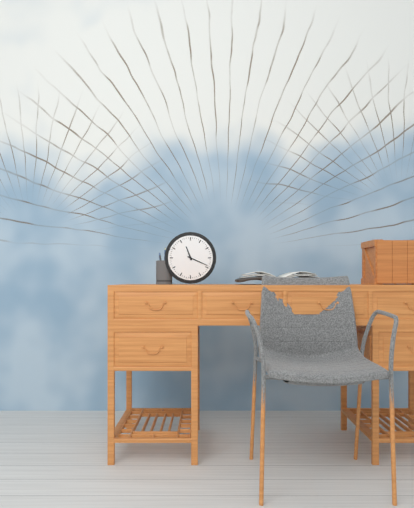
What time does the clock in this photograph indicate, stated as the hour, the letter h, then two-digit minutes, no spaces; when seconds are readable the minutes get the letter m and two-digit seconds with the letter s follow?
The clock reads 11h19
